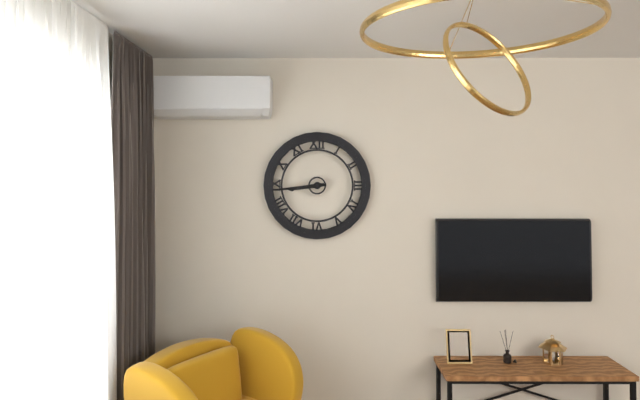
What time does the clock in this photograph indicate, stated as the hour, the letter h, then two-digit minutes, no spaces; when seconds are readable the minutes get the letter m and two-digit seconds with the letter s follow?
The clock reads 8h44
